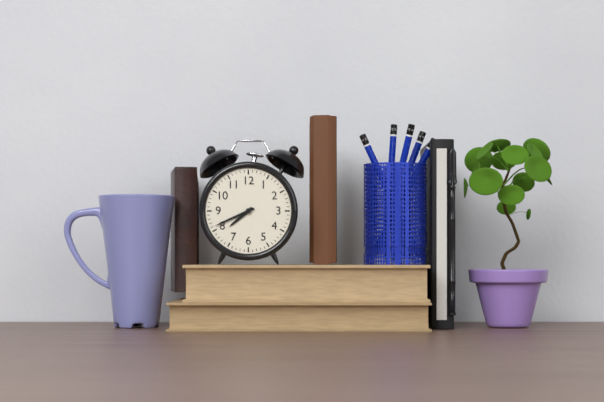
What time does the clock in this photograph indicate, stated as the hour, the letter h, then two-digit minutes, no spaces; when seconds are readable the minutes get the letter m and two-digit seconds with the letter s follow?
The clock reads 7h41
